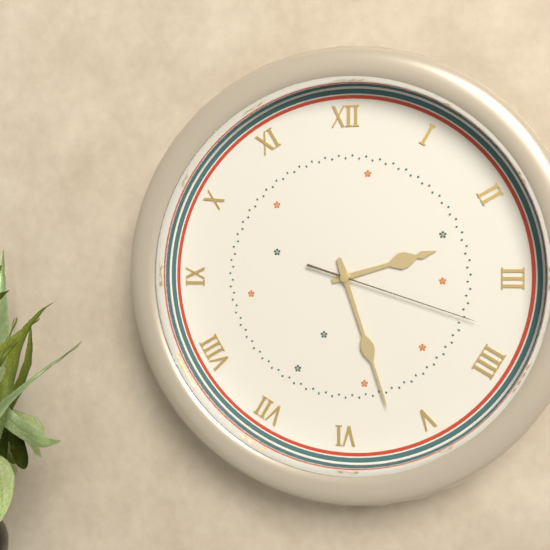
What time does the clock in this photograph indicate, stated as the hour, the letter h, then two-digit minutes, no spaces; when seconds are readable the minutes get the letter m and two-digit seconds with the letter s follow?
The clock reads 2h27m18s
